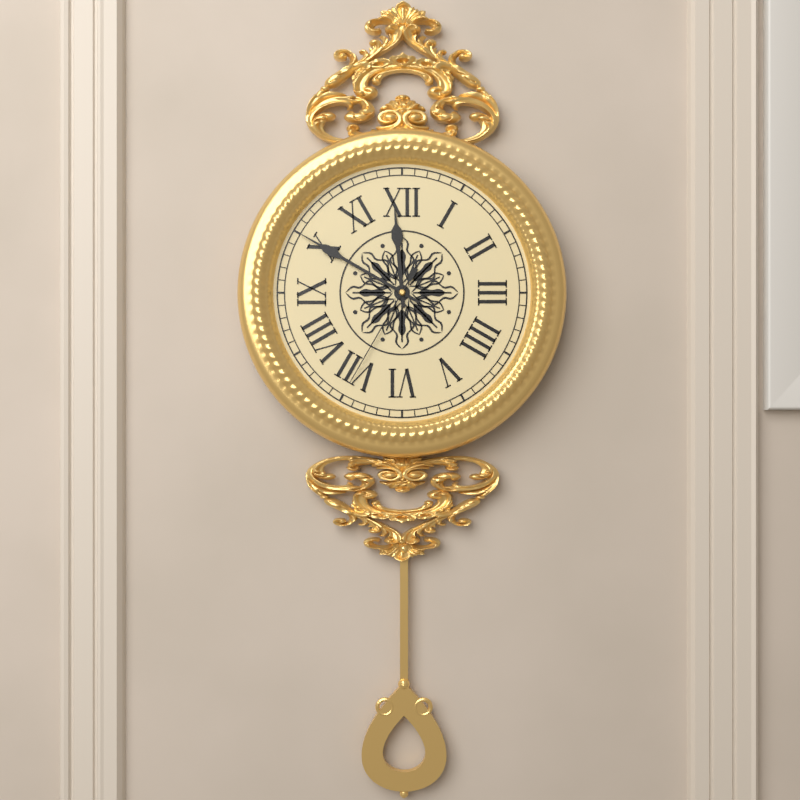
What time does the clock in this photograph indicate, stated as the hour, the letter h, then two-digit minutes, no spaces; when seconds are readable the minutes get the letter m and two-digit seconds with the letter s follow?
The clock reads 11h50m35s
